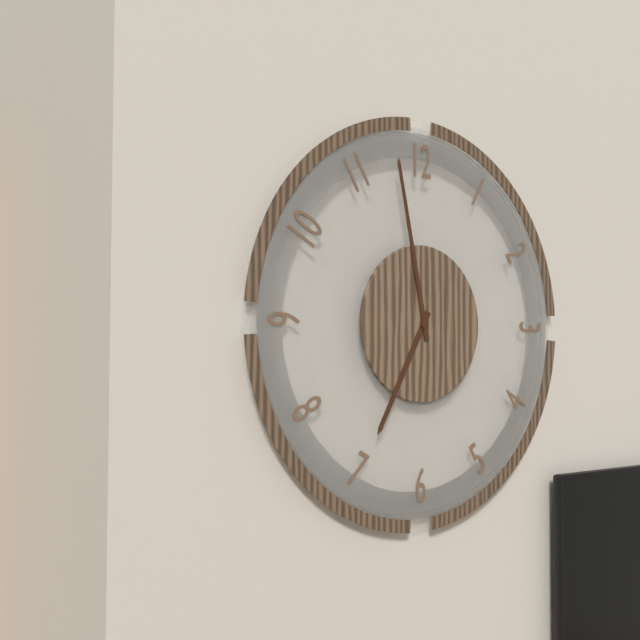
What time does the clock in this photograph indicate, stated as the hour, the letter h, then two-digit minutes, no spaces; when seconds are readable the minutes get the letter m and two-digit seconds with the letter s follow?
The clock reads 6h58
